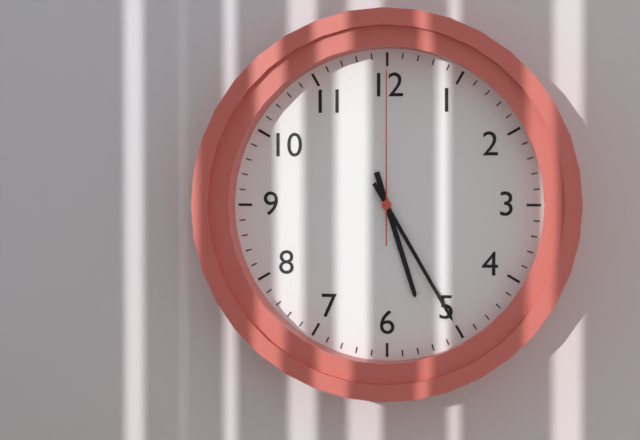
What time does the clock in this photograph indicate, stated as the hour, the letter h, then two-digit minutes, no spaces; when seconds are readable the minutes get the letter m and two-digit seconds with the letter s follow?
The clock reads 5h25m00s
